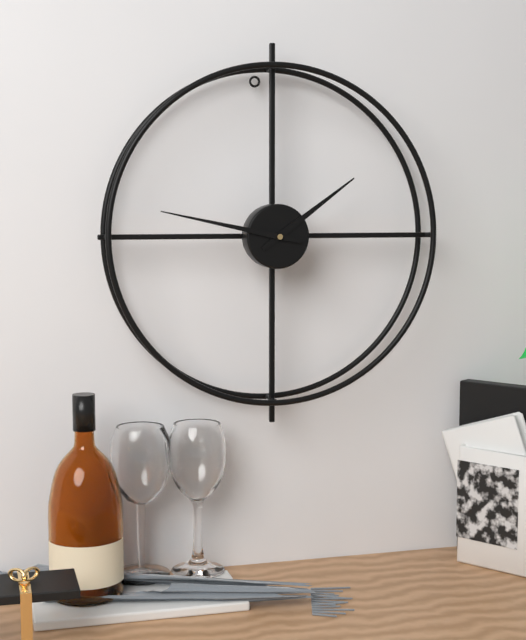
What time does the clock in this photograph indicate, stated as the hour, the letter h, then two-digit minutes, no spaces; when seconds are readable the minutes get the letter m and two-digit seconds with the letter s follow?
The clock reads 1h47
